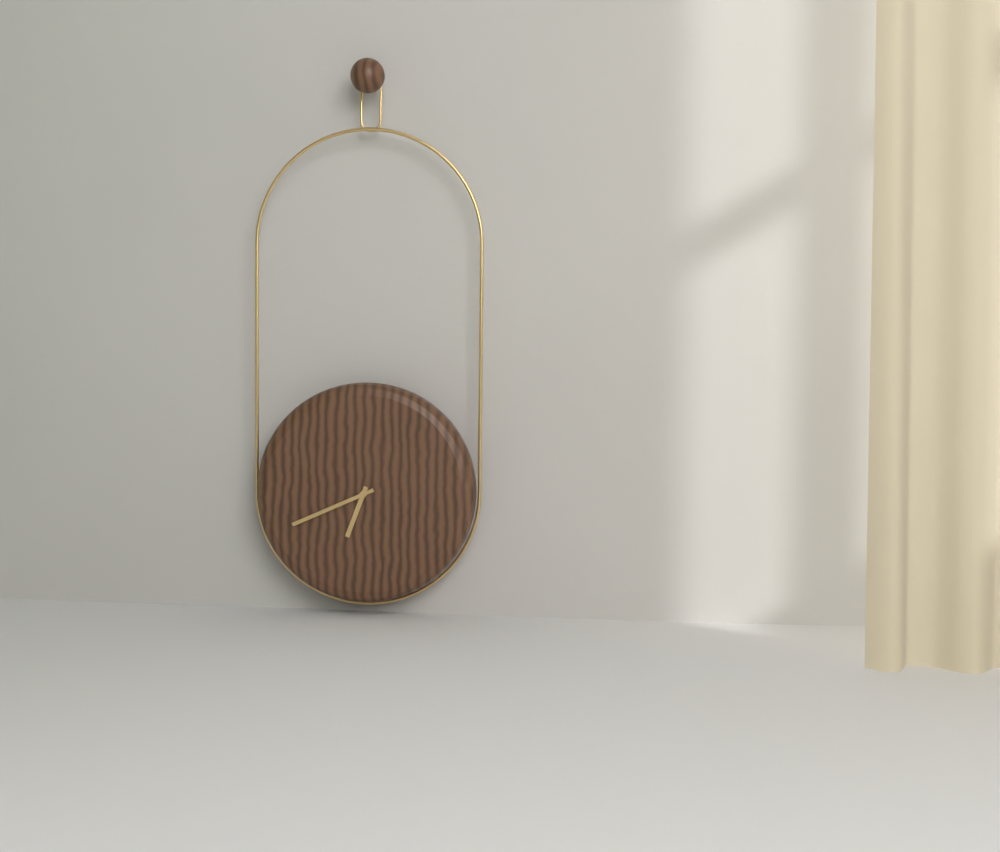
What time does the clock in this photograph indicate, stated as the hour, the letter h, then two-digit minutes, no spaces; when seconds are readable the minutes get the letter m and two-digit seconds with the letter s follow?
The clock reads 6h41
